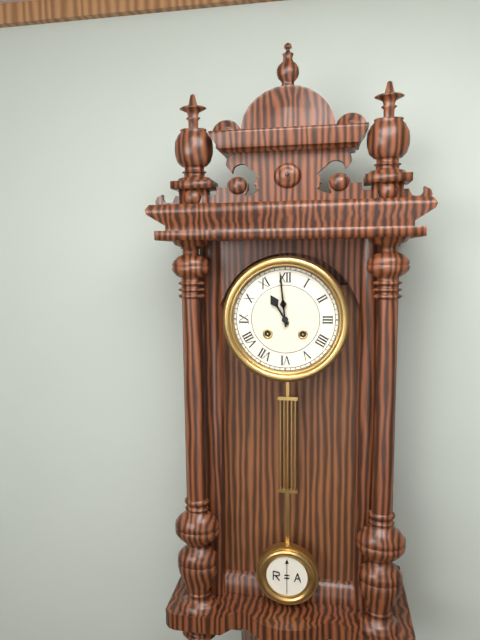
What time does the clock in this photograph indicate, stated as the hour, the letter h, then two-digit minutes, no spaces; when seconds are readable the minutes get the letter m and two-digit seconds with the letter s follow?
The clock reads 10h59
